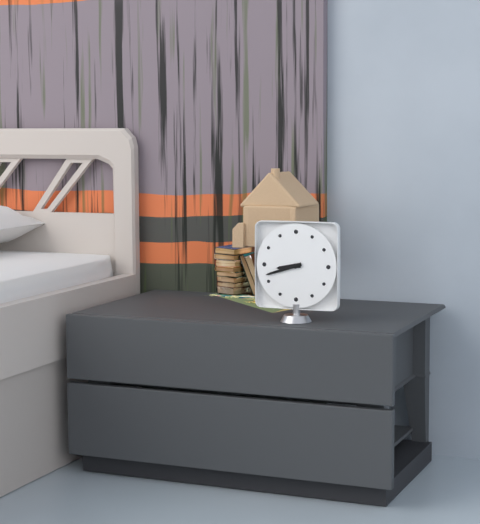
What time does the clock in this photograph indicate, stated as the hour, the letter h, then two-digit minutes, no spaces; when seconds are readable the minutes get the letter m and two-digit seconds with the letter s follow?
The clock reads 8h42
